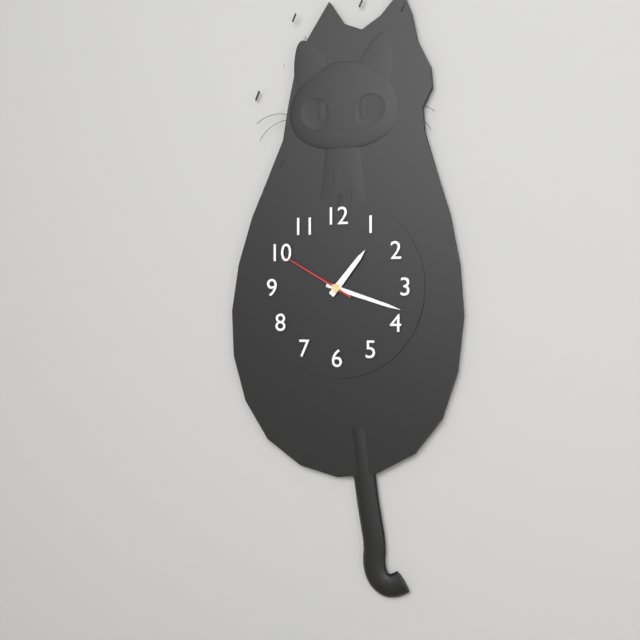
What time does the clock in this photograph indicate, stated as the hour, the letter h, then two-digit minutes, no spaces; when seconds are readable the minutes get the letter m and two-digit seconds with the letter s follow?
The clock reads 1h18m50s
